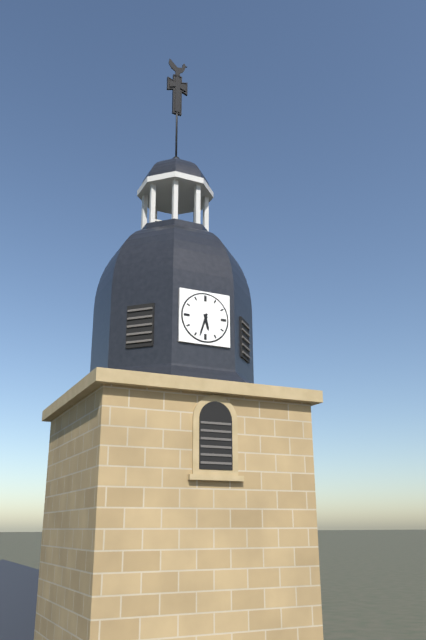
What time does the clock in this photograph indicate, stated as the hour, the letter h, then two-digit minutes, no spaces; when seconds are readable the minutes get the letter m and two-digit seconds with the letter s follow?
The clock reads 5h33
